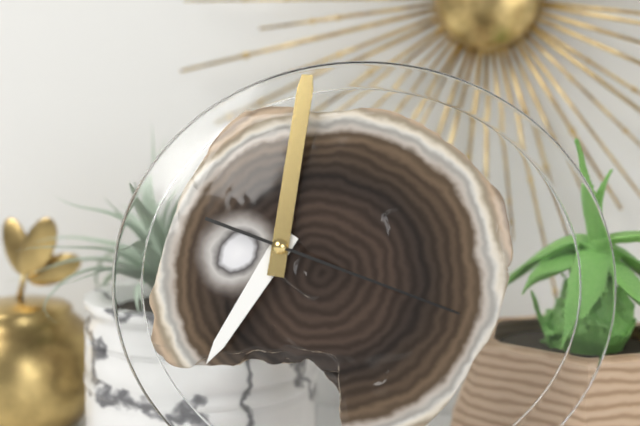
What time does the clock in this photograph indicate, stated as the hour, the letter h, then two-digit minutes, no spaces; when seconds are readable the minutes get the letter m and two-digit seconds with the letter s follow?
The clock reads 7h01m18s
